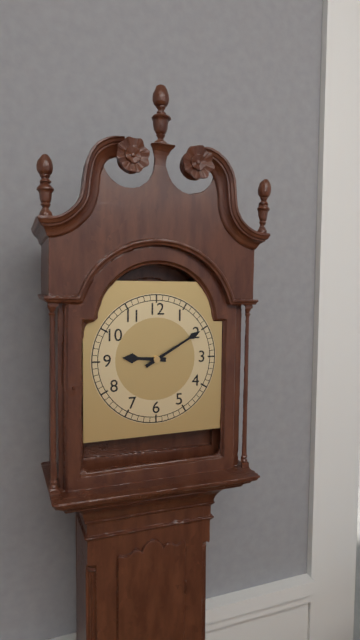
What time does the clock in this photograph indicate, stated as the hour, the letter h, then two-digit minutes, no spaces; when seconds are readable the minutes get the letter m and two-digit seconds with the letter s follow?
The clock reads 9h10
